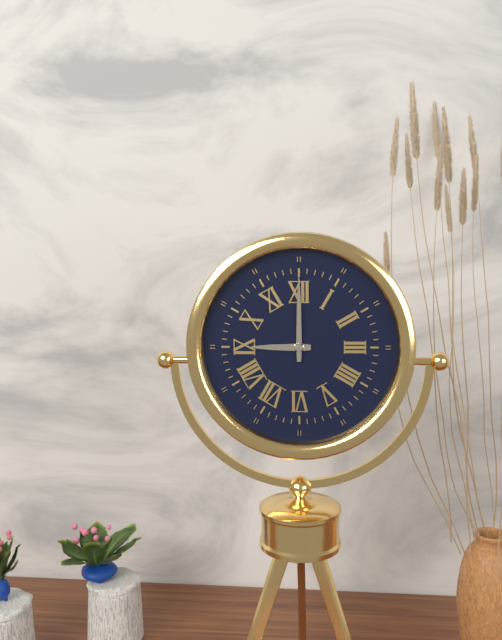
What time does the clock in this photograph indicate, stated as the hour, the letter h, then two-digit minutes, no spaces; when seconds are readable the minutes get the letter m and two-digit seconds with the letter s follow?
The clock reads 9h00
